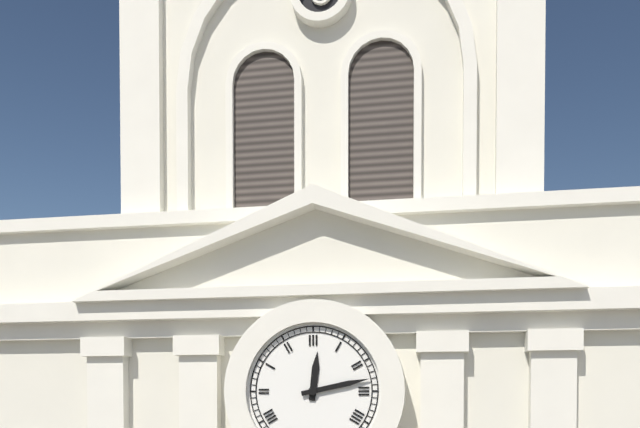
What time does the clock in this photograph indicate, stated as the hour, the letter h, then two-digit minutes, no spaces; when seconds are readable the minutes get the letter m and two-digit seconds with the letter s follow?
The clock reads 12h13
